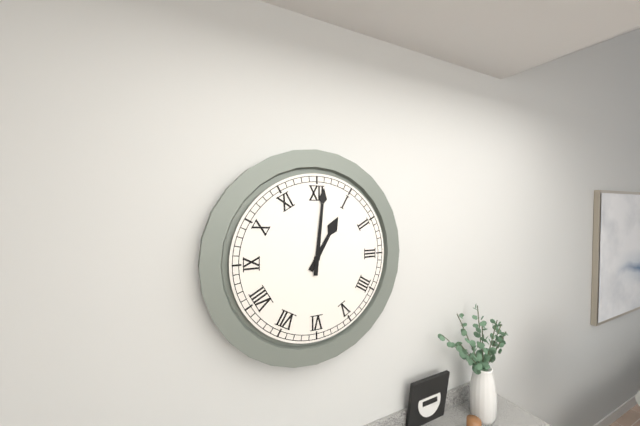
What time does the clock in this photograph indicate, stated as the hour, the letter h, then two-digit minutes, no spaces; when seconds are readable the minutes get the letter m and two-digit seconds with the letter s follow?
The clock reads 1h01
